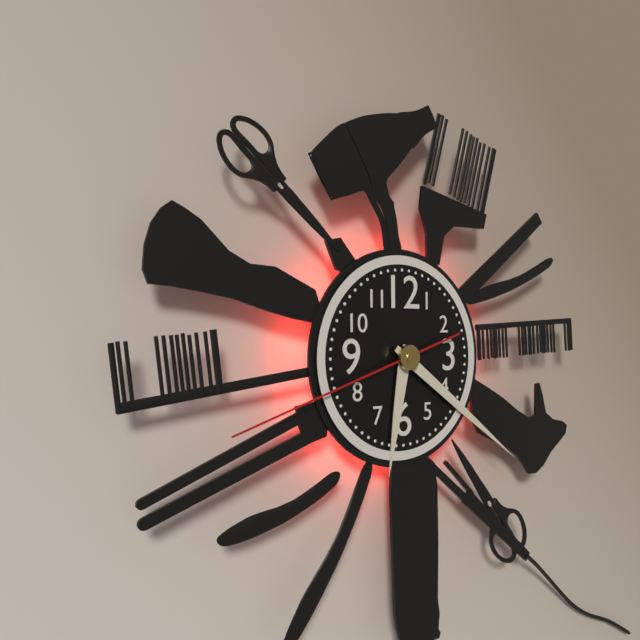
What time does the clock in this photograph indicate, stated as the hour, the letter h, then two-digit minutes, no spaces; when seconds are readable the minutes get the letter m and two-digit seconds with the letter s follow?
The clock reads 6h21m42s
